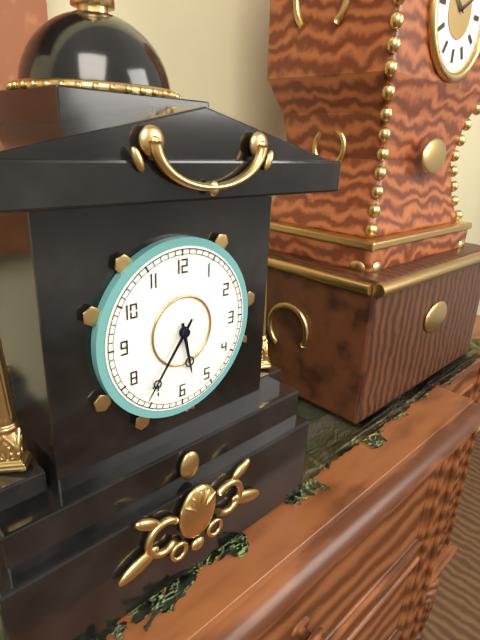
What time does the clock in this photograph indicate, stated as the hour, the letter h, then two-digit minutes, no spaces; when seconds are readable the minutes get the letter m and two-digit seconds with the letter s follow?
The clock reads 5h36
